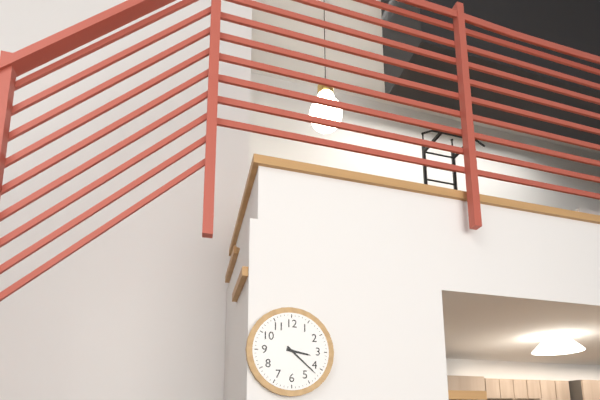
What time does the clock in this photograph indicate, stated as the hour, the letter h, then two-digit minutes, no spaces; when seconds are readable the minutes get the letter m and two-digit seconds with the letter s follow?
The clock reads 3h22
